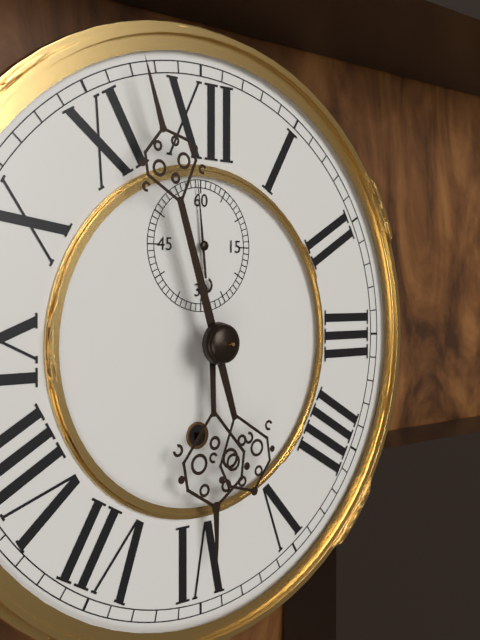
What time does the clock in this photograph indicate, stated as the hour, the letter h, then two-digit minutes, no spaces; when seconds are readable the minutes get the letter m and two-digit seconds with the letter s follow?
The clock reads 5h57m59s
